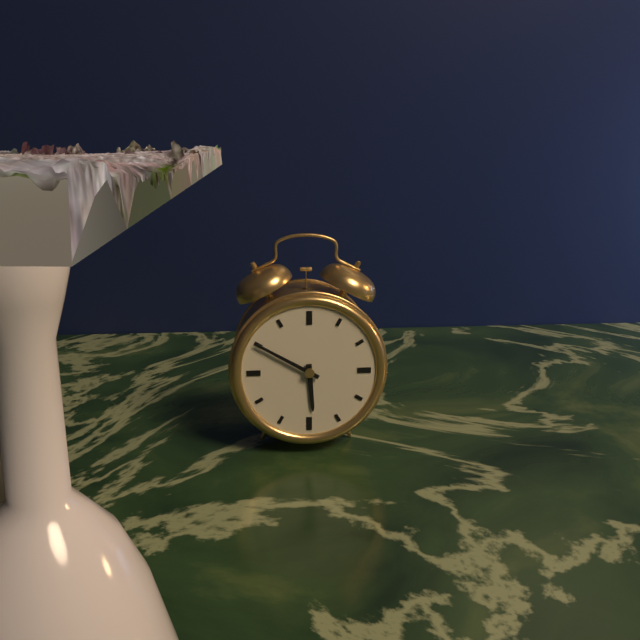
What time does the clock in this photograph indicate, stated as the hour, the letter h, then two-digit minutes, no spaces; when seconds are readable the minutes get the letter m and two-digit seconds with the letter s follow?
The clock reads 5h50
